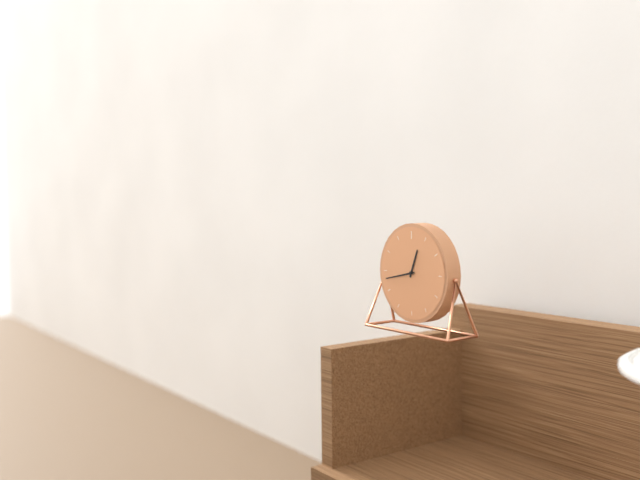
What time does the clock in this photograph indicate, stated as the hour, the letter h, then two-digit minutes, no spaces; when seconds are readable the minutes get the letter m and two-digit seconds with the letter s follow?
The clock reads 12h43
